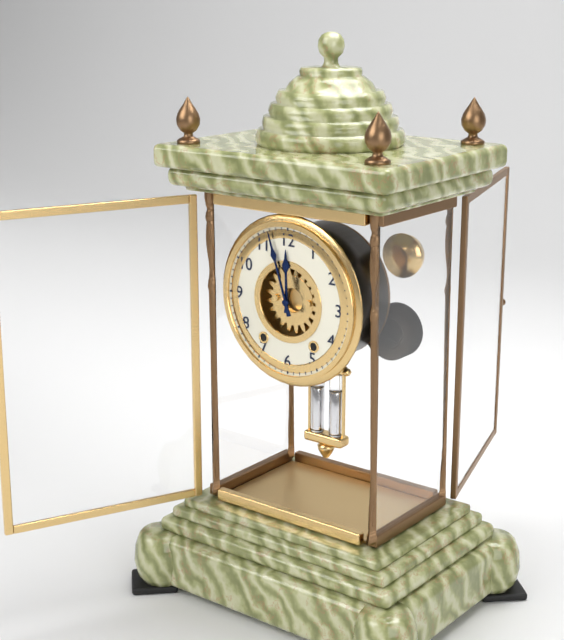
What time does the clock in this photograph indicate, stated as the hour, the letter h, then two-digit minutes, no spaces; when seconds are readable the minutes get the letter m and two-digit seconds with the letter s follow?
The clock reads 11h57
